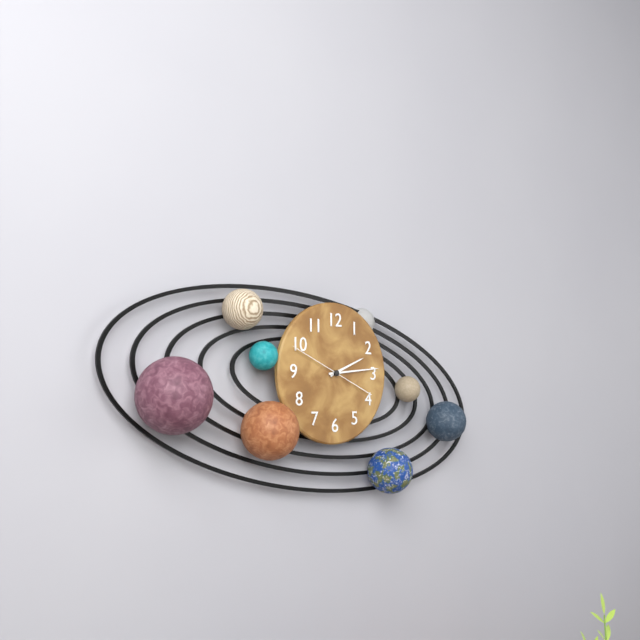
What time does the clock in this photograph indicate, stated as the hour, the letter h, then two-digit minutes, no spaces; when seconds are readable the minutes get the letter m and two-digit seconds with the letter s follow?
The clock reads 2h14m49s
